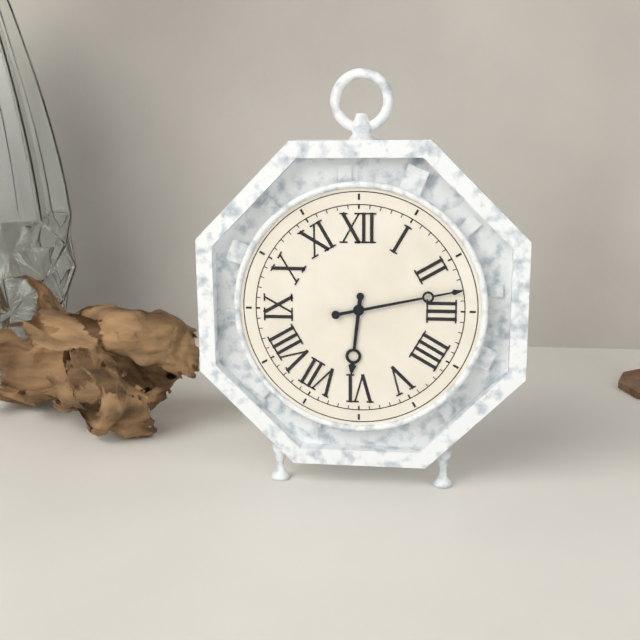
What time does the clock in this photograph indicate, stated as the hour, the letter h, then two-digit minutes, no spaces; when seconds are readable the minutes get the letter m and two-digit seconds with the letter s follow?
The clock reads 6h13
